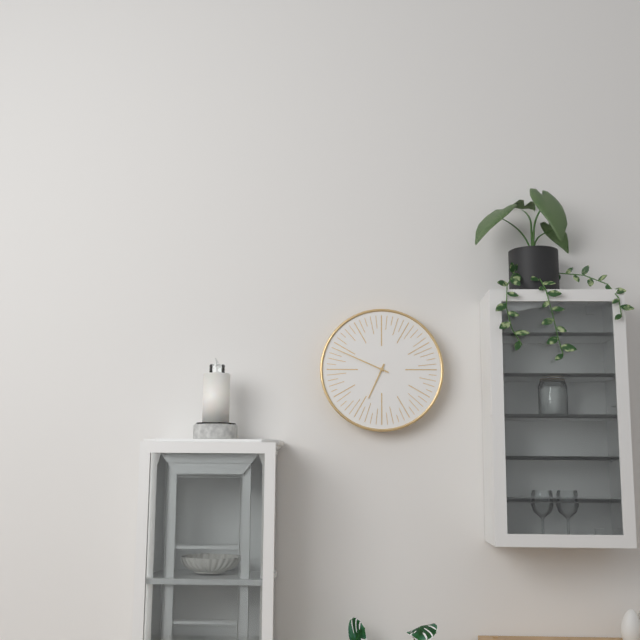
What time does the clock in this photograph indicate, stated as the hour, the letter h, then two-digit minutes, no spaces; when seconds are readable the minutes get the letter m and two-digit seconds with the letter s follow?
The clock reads 6h49
